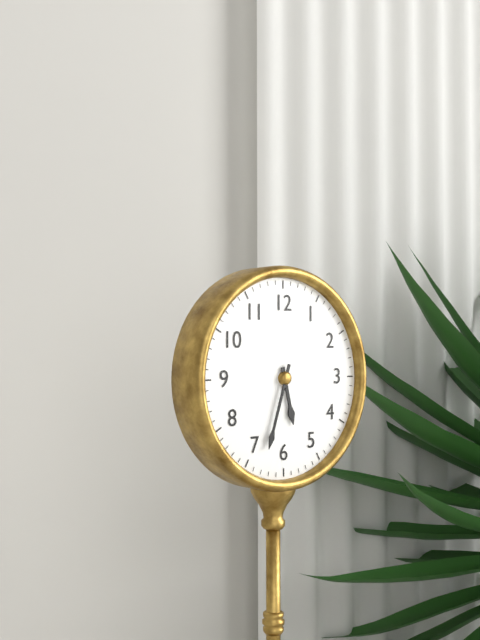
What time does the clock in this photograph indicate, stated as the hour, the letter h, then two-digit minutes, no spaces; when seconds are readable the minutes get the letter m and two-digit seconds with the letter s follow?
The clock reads 5h33
